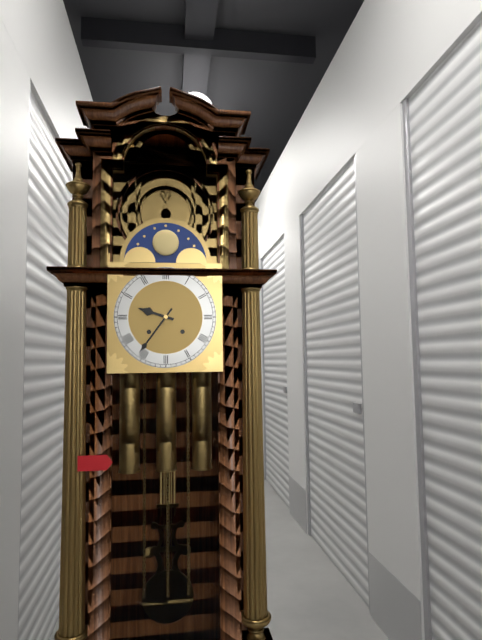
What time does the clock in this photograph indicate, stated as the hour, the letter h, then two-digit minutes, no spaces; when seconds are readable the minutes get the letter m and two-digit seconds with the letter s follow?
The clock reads 9h36
